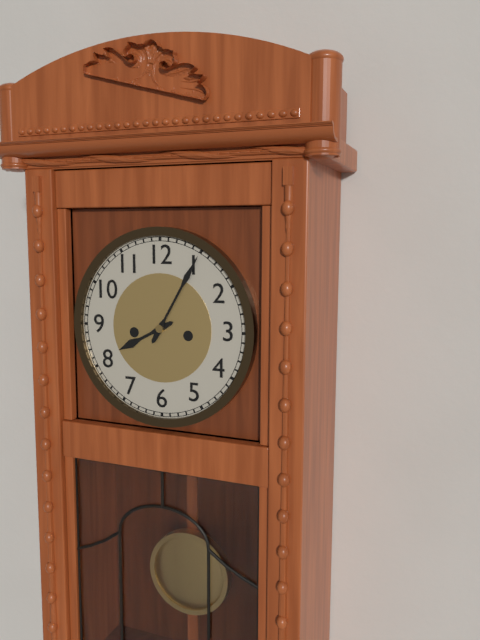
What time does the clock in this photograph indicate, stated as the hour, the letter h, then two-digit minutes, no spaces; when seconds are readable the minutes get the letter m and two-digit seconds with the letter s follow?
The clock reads 8h05
